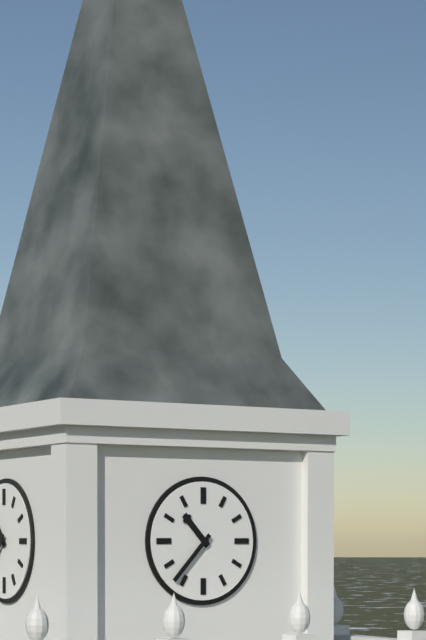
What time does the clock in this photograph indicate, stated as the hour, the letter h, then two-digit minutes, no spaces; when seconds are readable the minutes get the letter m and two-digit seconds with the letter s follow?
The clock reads 10h37
